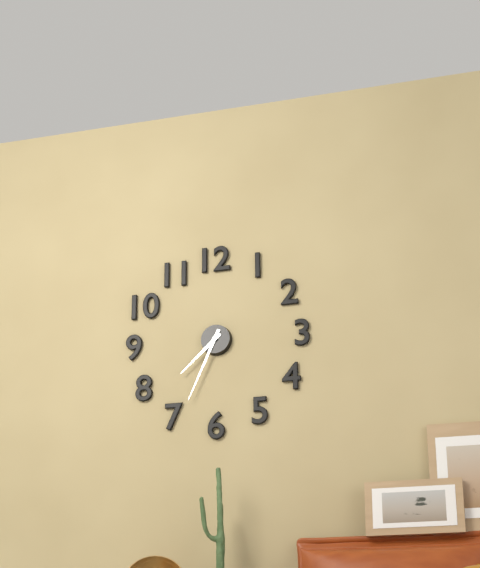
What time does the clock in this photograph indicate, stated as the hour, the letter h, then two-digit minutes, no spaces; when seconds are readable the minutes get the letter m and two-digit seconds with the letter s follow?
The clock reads 7h34
